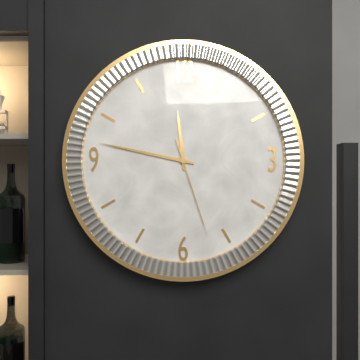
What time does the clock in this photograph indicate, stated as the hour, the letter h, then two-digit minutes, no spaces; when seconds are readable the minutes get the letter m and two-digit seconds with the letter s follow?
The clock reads 11h47m27s
